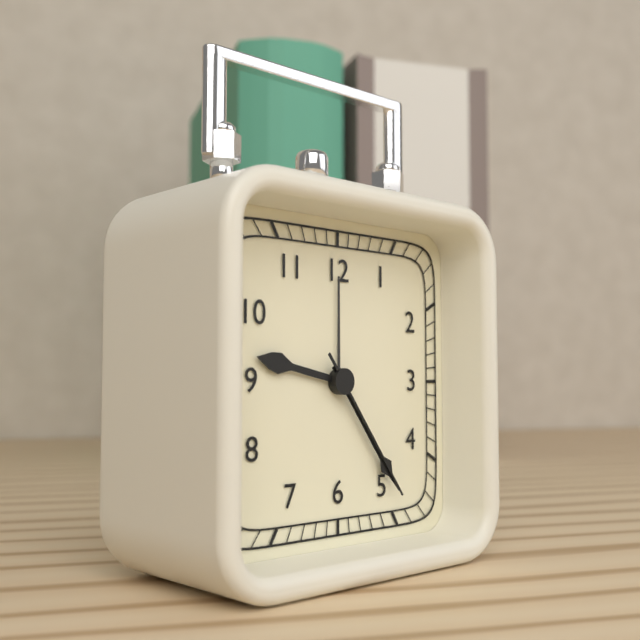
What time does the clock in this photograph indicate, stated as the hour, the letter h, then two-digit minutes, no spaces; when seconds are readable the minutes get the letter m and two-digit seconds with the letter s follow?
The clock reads 9h24m24s
